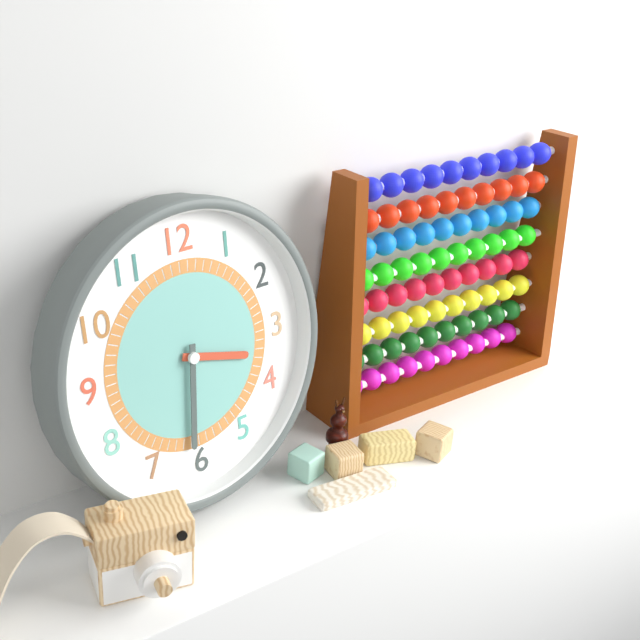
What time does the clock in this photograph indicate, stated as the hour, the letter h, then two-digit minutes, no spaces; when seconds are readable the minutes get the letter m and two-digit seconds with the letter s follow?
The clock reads 3h31
